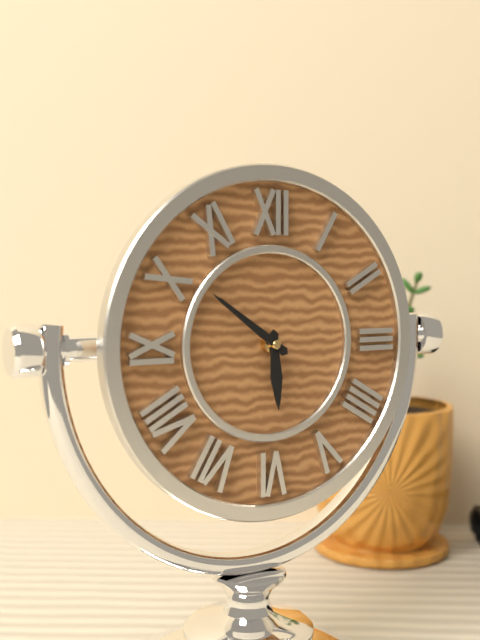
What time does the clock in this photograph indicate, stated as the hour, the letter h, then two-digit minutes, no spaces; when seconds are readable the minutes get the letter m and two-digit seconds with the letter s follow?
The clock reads 5h51
